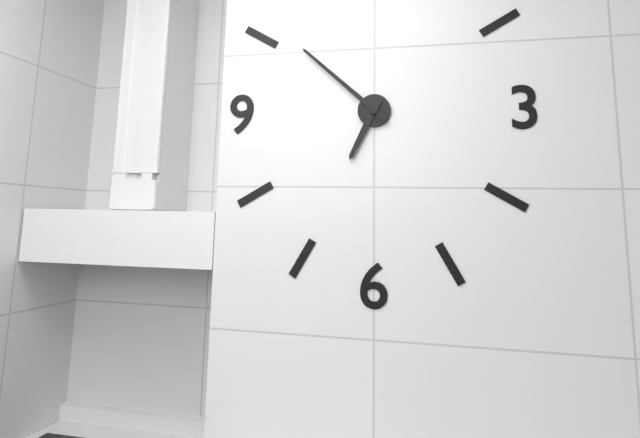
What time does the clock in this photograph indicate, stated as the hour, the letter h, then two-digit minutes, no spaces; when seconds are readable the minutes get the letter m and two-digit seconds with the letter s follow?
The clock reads 6h52
